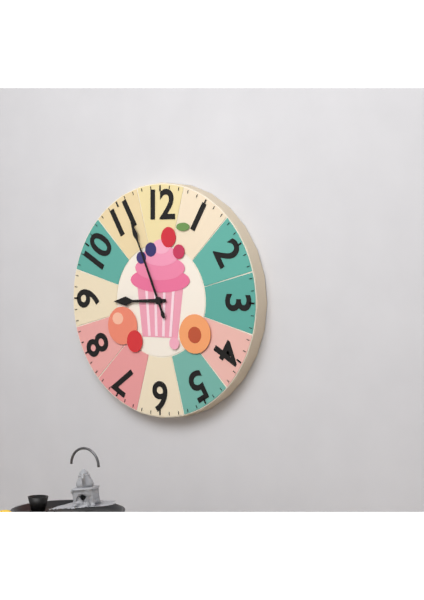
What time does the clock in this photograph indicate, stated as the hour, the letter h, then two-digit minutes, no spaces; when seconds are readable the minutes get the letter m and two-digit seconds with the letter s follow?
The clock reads 8h56
